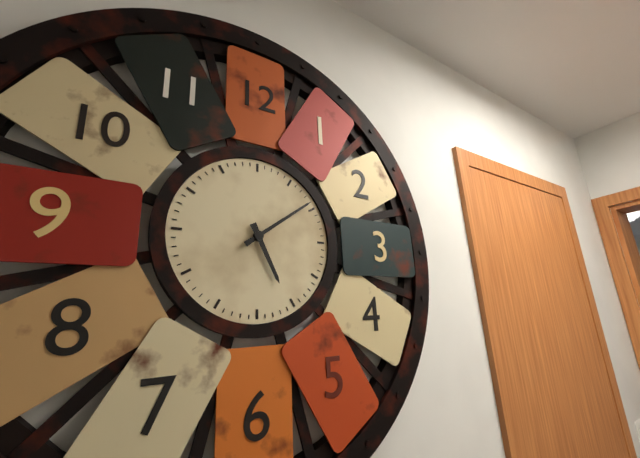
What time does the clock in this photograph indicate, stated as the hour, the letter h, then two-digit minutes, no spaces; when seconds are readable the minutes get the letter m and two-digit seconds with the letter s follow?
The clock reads 5h09
